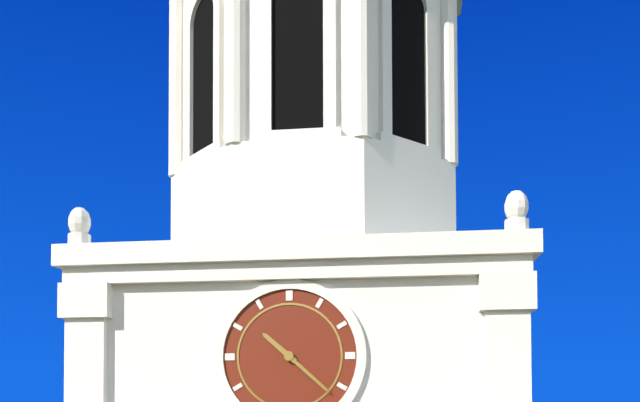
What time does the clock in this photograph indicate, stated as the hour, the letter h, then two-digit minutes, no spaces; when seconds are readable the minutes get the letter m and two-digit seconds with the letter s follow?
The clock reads 10h22
